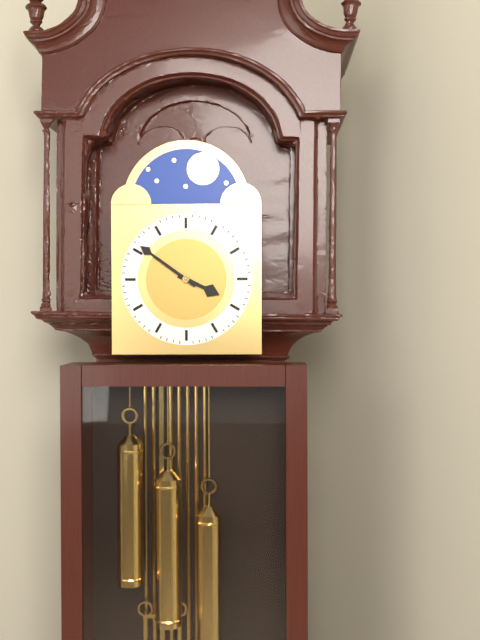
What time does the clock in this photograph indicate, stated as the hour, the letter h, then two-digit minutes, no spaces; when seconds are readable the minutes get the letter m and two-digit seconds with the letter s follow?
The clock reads 3h51
